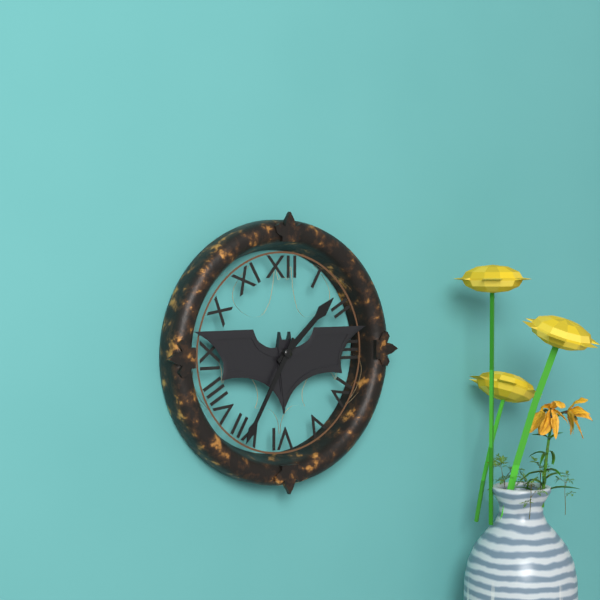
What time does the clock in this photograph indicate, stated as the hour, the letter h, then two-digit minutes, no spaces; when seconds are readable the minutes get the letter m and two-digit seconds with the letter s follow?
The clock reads 1h35
